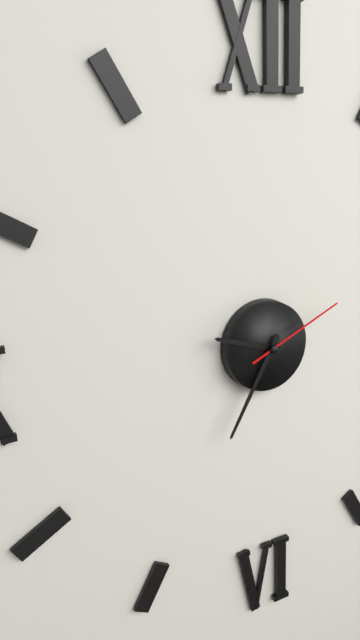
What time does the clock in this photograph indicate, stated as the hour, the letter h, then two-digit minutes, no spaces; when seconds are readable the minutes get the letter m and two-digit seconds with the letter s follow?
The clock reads 9h35m11s
